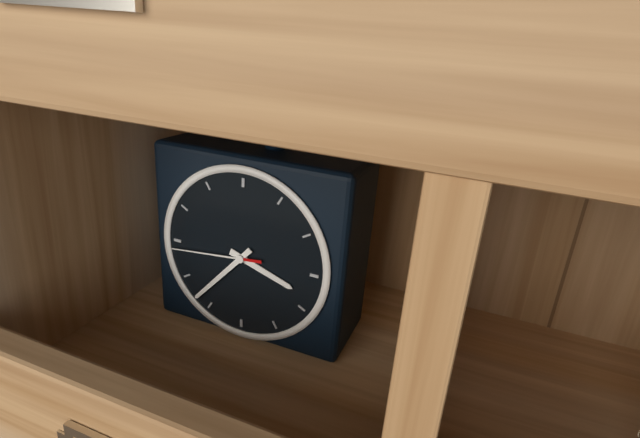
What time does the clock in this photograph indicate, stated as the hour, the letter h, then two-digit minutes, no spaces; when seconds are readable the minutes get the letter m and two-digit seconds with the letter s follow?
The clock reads 3h37m44s
